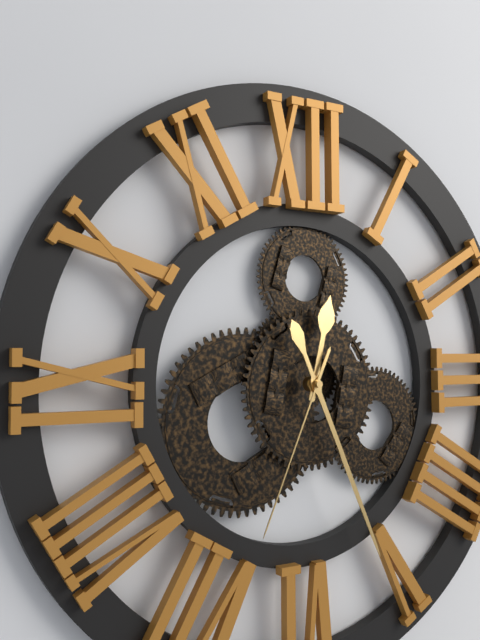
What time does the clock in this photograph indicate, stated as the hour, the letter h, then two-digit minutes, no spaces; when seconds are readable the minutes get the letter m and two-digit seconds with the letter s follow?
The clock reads 12h26m34s
